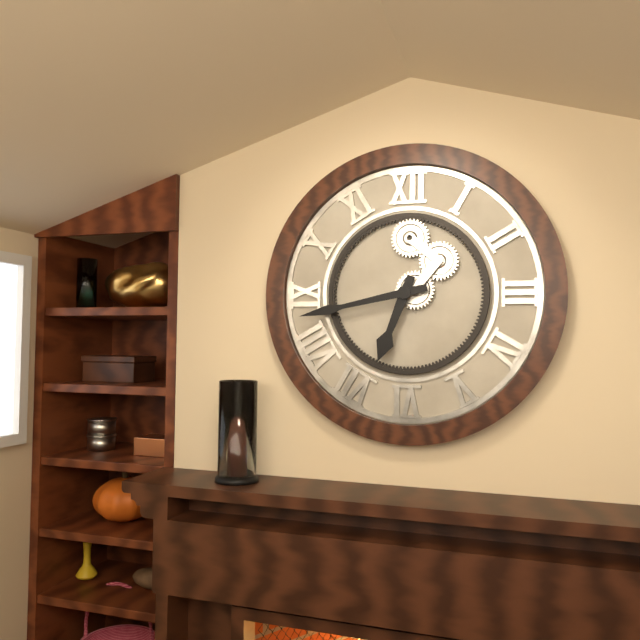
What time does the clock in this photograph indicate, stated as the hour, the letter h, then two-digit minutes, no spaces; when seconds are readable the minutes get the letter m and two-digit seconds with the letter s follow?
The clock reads 6h43
